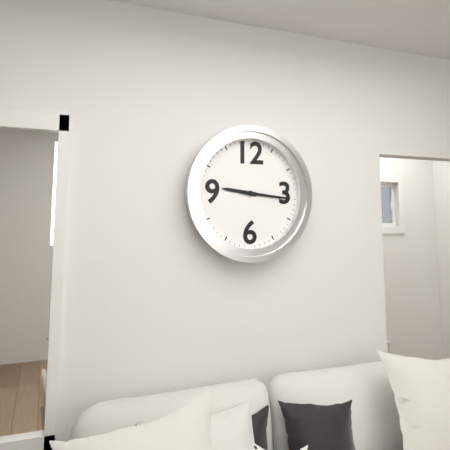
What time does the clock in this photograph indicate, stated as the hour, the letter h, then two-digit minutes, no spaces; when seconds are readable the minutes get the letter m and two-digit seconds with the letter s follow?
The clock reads 9h16
